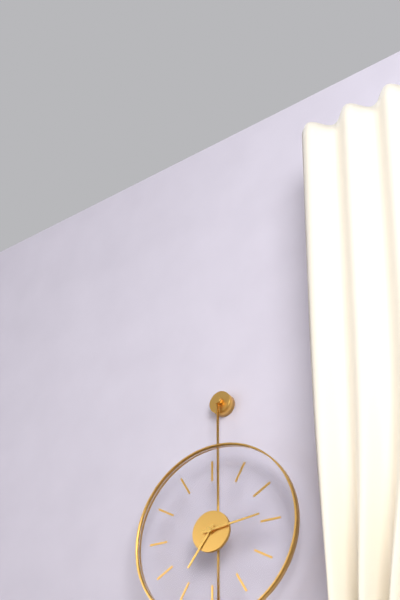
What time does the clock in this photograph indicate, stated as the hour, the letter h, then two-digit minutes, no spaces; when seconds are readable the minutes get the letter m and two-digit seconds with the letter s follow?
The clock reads 7h14
